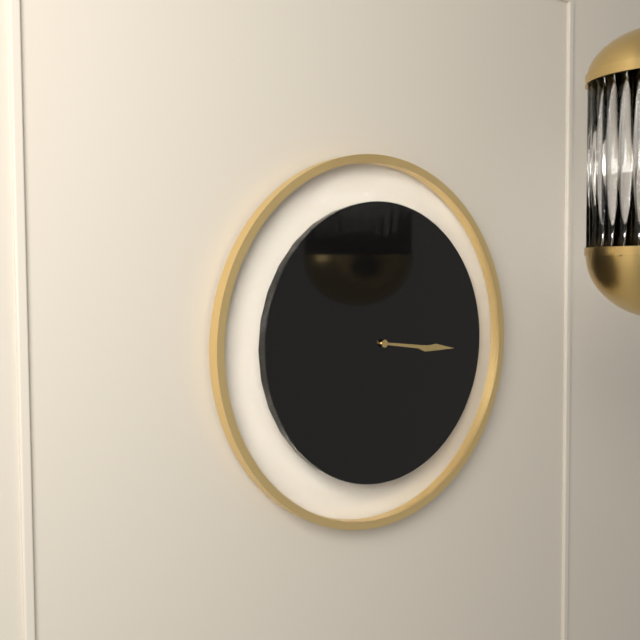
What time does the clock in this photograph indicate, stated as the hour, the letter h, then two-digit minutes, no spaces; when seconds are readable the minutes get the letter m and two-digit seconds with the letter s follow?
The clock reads 3h16
